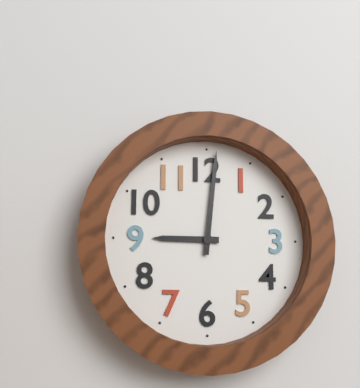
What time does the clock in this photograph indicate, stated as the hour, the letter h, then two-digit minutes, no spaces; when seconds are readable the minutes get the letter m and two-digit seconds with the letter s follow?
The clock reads 9h01
